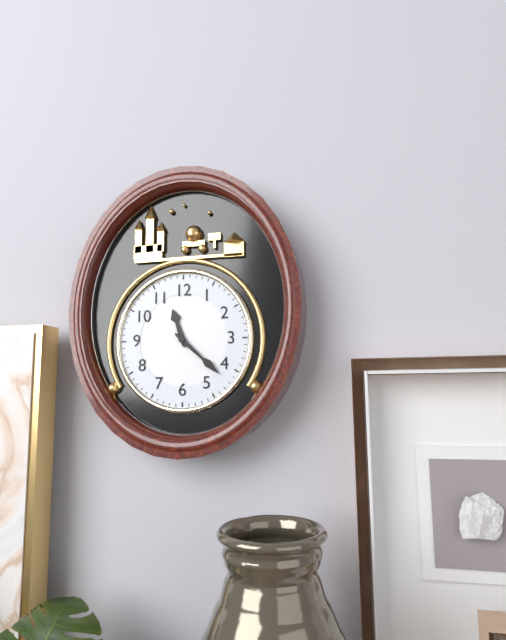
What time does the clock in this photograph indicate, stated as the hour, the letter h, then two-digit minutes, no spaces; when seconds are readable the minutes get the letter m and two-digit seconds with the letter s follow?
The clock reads 11h22
